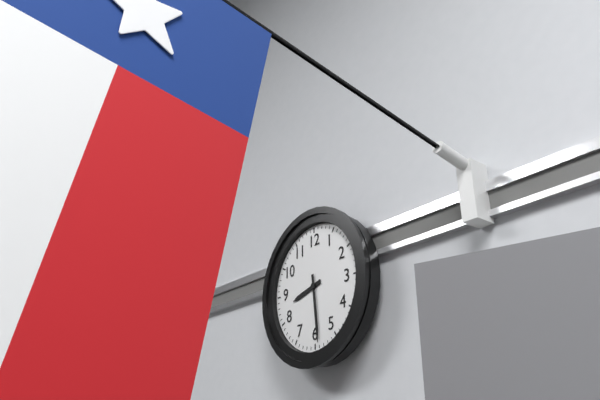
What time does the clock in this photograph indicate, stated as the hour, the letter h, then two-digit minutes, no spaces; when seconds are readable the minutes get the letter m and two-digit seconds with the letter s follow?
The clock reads 8h29
